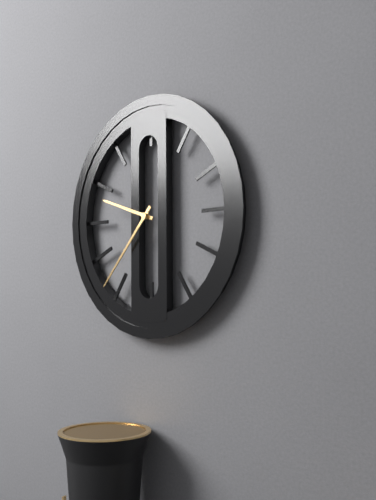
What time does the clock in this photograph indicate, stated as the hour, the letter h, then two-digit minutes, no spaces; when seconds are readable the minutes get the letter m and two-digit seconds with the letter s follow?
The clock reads 9h37
